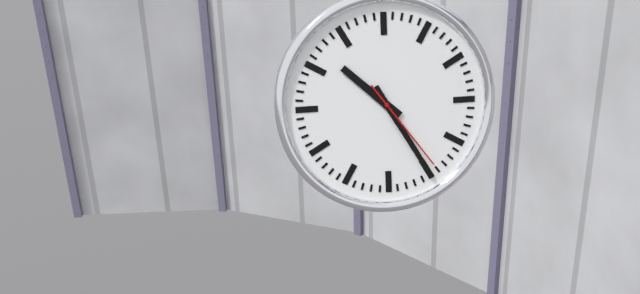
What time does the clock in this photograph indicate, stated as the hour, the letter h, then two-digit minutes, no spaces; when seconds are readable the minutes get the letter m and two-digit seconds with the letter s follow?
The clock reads 10h25m24s
